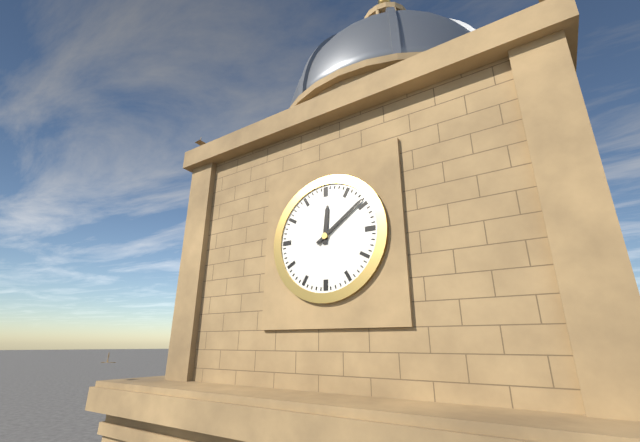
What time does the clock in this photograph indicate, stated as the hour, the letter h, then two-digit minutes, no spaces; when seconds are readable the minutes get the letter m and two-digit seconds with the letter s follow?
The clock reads 12h09
